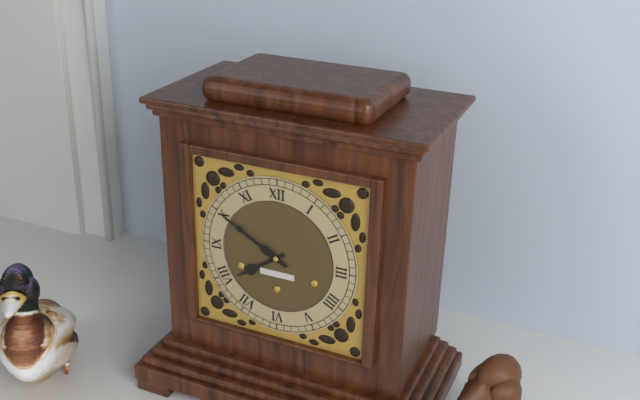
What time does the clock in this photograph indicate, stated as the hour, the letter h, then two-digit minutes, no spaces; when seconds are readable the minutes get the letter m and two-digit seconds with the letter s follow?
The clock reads 7h50
